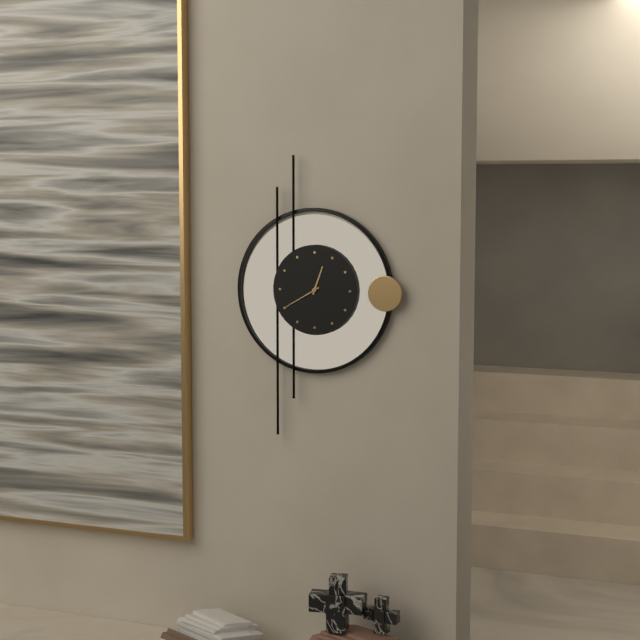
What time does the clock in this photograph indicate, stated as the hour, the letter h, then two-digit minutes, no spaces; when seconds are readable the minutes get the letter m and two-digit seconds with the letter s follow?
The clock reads 12h40
